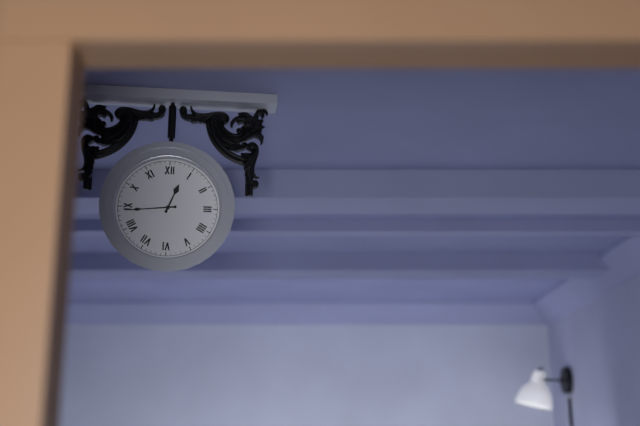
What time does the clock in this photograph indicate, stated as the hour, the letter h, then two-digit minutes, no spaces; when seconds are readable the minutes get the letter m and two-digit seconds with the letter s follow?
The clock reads 12h44
